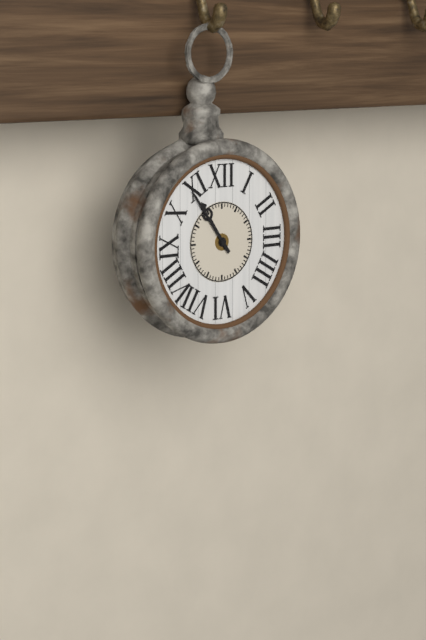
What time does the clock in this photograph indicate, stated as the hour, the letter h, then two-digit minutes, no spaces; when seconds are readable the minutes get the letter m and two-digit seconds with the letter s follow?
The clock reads 10h54
